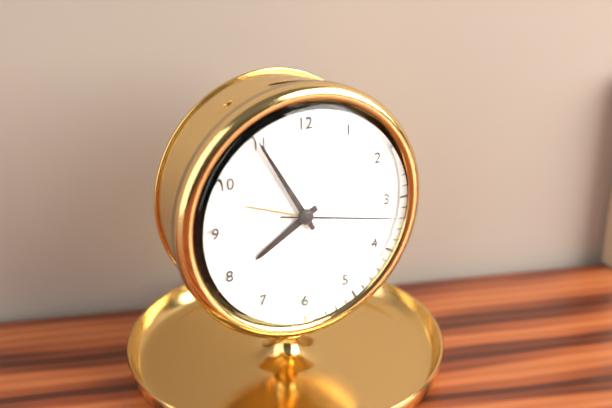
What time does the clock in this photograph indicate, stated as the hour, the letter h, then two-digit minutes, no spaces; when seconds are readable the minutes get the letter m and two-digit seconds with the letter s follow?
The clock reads 7h55m17s
